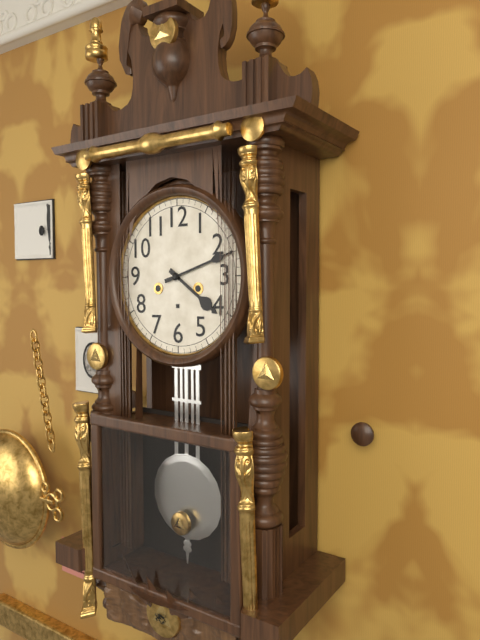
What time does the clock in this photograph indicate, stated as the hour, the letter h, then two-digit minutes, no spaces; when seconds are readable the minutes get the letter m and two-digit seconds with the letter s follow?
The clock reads 4h12
